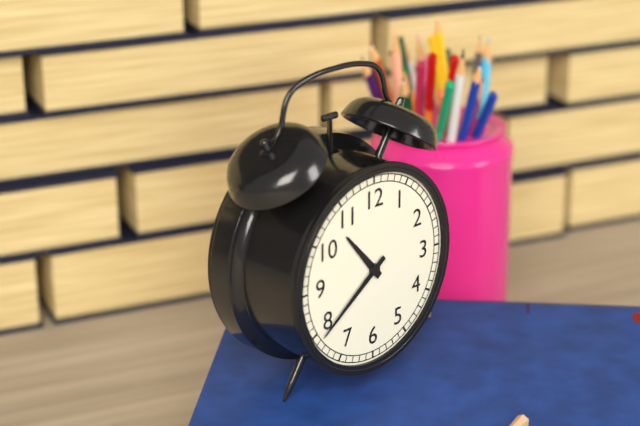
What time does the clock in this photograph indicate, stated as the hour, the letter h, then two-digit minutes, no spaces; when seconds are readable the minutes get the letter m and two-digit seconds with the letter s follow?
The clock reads 10h39
